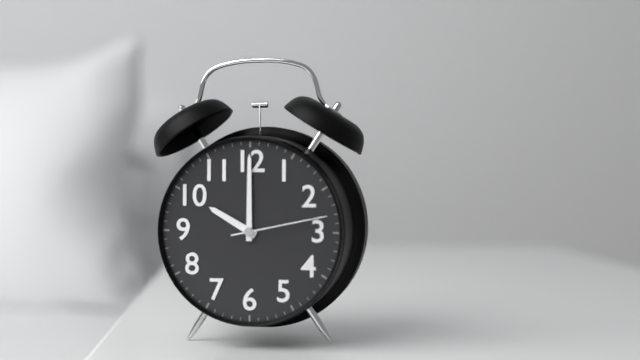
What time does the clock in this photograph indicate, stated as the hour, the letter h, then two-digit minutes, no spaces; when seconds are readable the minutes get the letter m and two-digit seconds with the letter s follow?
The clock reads 10h00m13s
